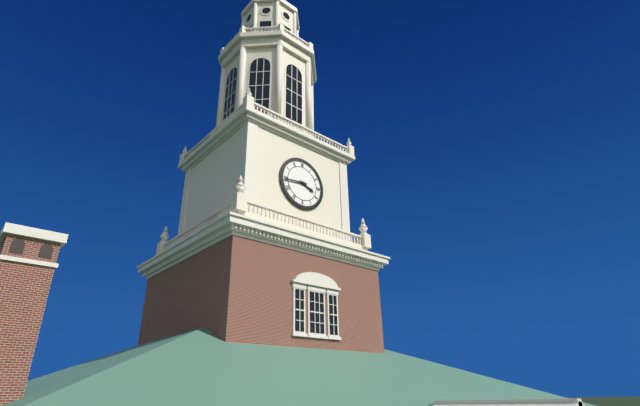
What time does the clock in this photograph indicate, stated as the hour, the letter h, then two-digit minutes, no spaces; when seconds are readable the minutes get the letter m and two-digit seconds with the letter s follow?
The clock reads 3h44
